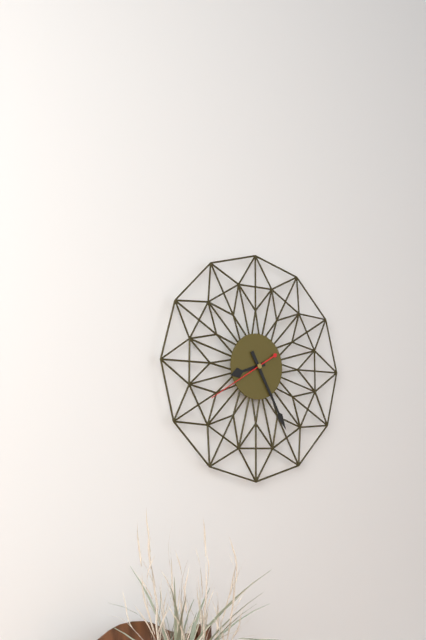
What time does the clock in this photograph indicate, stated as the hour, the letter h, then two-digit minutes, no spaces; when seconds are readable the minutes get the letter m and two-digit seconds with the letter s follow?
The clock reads 8h25m40s
